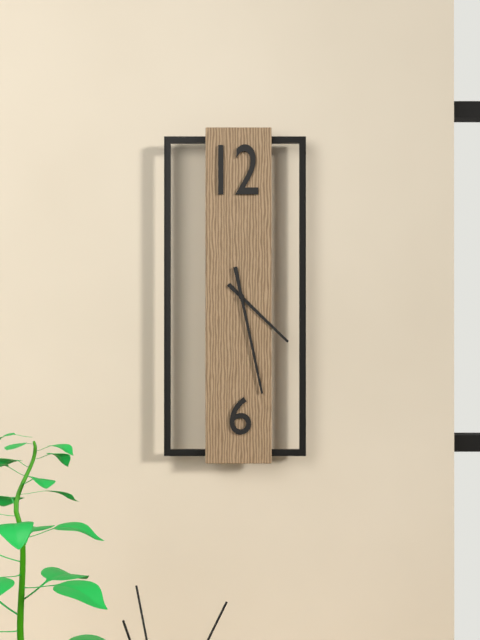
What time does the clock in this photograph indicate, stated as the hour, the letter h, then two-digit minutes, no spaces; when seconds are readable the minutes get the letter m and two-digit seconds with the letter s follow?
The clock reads 4h28
